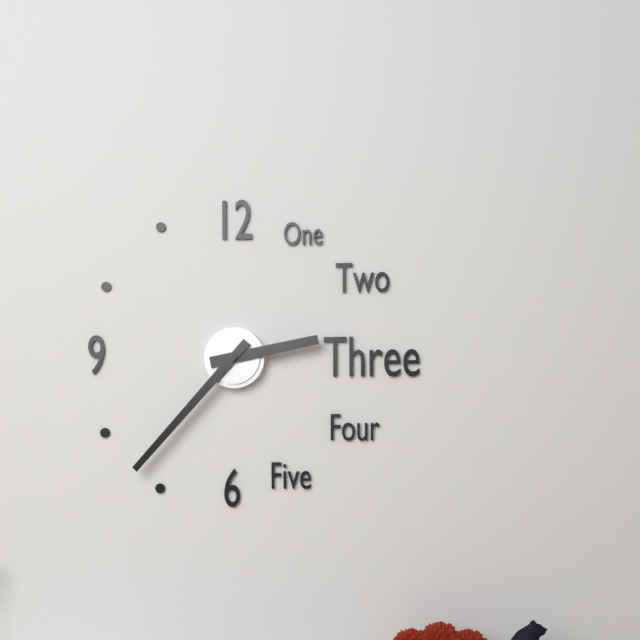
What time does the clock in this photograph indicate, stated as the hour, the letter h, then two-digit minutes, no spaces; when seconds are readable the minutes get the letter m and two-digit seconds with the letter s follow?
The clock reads 2h37
